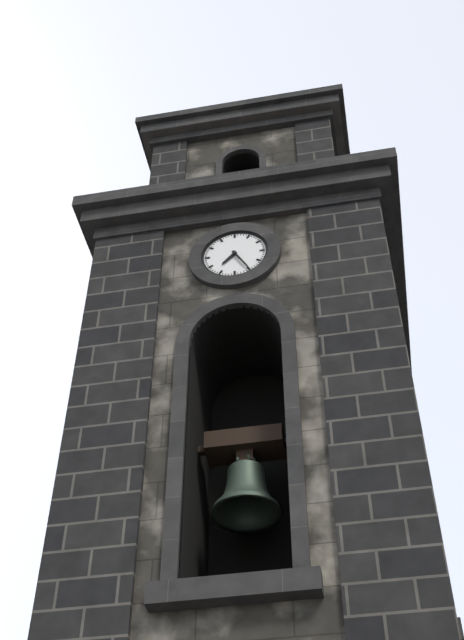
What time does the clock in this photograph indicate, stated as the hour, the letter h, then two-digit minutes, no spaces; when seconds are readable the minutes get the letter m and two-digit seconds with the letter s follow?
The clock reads 7h25
